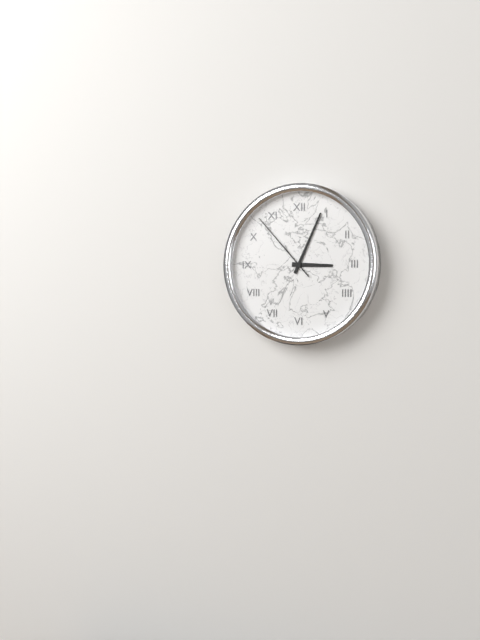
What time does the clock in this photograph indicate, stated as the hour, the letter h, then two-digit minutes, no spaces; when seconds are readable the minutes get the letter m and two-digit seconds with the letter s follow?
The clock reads 3h04m53s
